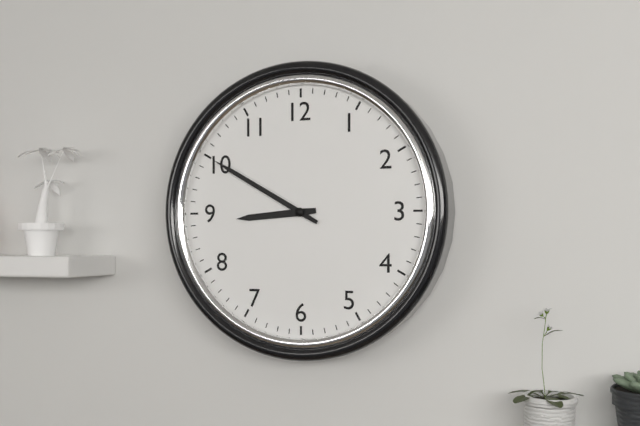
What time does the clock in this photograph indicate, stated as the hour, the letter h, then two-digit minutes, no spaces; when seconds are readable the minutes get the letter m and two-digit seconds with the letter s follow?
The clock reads 8h50
